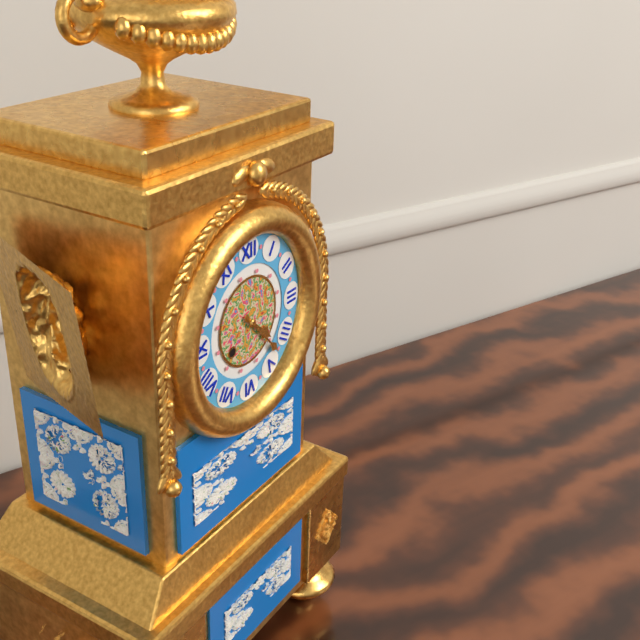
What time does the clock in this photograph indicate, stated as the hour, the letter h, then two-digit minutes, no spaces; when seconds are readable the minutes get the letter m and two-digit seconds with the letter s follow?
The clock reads 4h23
